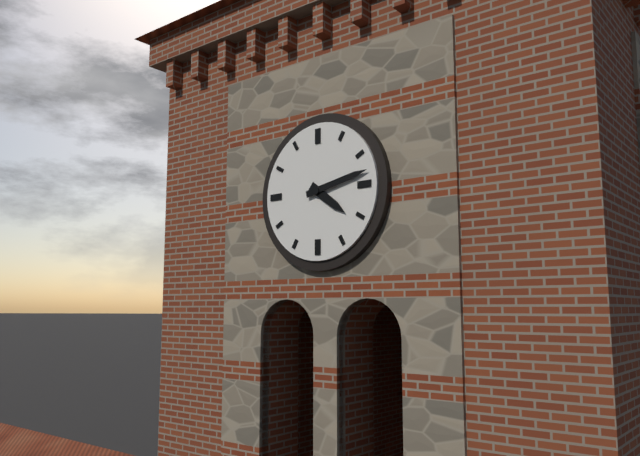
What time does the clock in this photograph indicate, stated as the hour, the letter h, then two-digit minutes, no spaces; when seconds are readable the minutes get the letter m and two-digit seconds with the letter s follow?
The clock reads 4h13
